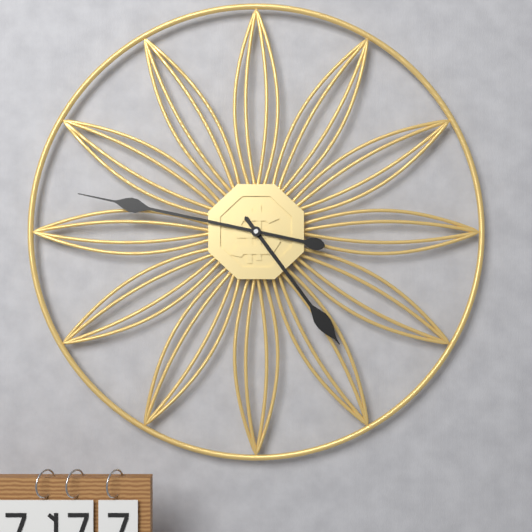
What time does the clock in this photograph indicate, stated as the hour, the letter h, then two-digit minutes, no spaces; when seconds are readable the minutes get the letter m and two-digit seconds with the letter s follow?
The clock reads 4h47
